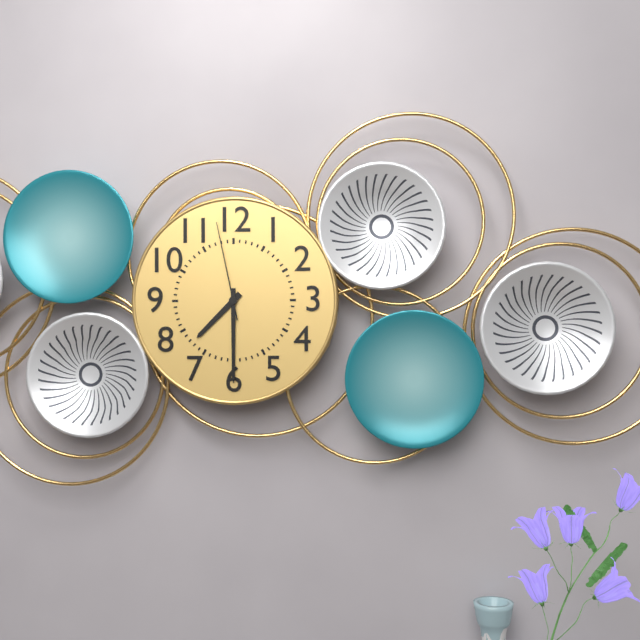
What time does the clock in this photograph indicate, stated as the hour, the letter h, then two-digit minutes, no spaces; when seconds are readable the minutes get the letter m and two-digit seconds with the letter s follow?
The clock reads 7h30m58s
